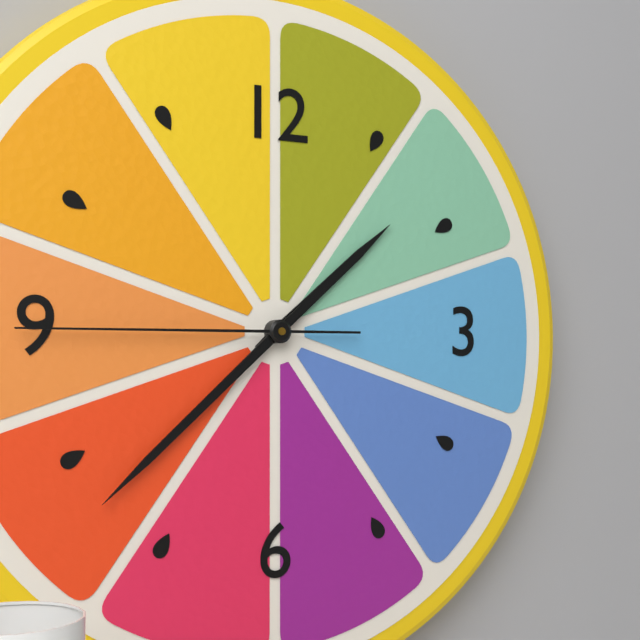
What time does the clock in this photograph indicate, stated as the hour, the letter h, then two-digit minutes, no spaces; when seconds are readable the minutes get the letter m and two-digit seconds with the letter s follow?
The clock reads 1h38m45s
